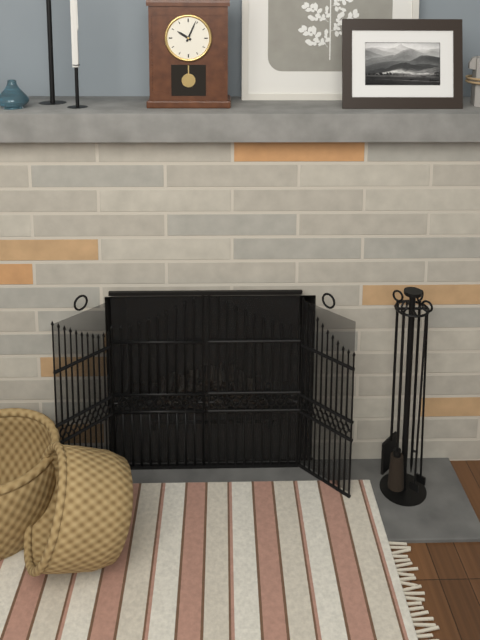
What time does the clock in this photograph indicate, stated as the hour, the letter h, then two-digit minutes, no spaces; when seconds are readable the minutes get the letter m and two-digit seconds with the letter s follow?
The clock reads 10h04
